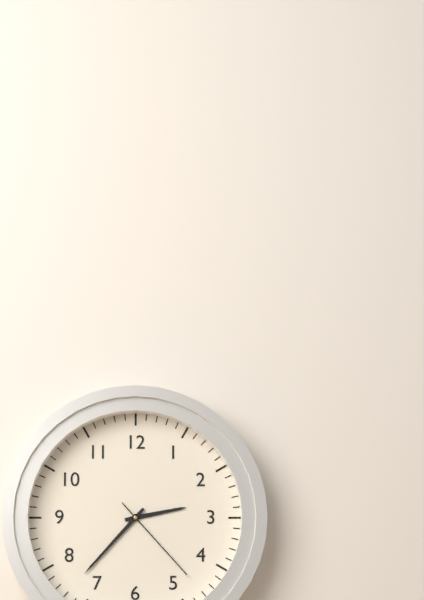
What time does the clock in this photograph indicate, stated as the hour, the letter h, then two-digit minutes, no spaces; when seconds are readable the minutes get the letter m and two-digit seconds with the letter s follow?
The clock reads 2h37m23s
